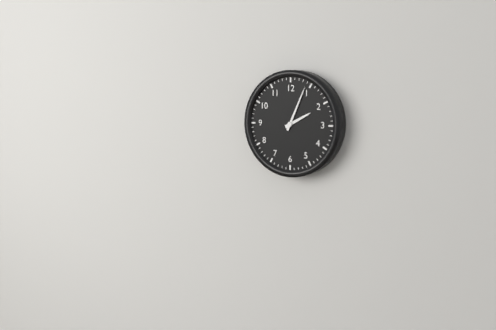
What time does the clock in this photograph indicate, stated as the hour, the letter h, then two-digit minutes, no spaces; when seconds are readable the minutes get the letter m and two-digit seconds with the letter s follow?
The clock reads 2h04
